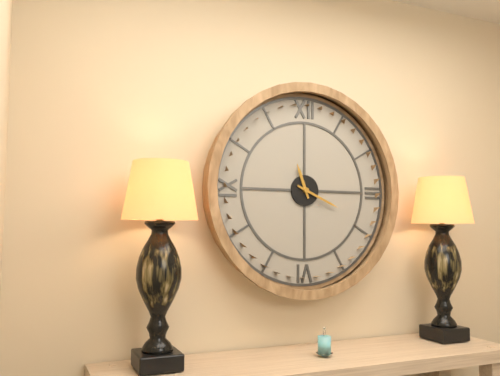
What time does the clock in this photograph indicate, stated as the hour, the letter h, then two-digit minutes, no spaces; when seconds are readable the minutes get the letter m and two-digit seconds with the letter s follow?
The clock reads 11h19
